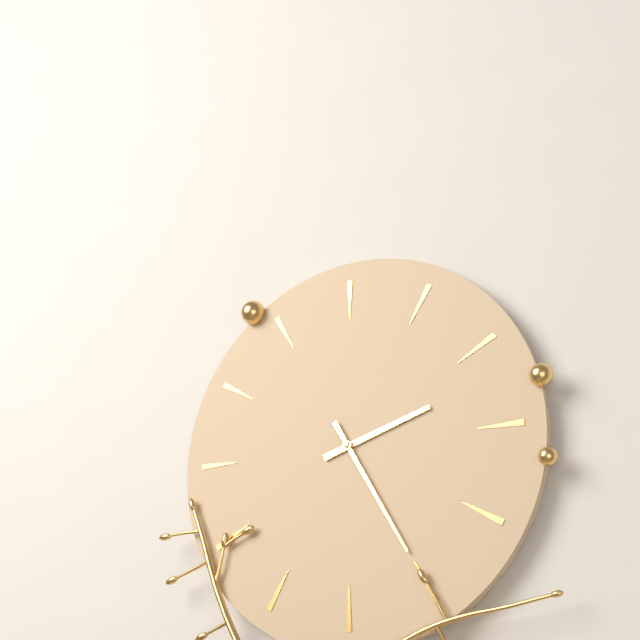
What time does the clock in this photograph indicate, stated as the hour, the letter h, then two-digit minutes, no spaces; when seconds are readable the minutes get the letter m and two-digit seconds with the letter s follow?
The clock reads 2h25
